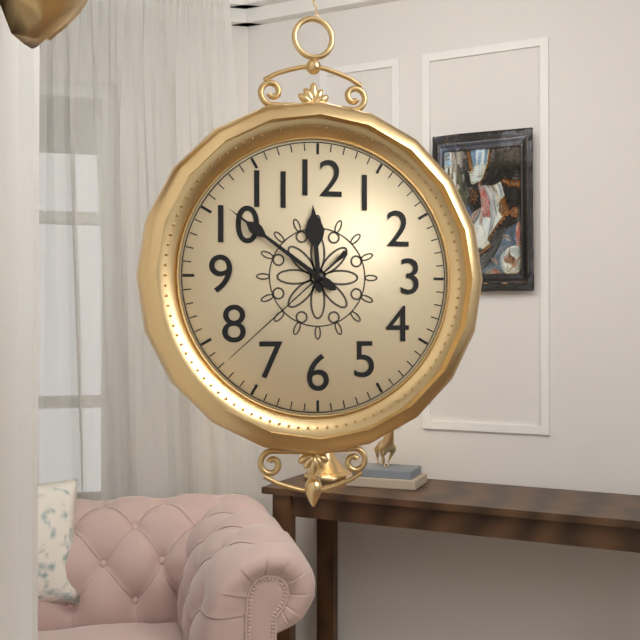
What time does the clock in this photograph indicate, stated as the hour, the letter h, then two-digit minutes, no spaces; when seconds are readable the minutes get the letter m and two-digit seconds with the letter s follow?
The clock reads 11h51m38s
